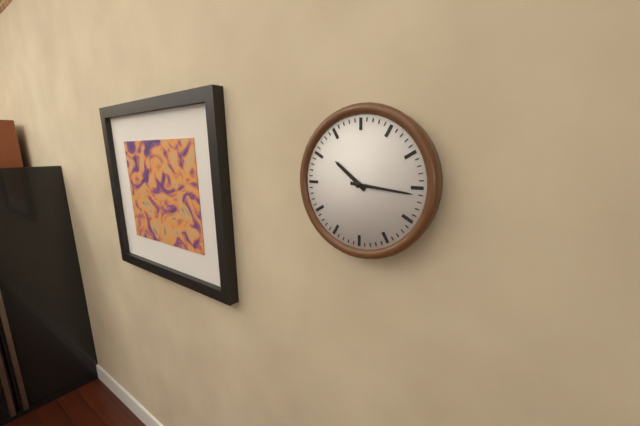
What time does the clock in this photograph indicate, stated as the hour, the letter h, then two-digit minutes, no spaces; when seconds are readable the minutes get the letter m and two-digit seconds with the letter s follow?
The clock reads 10h16
